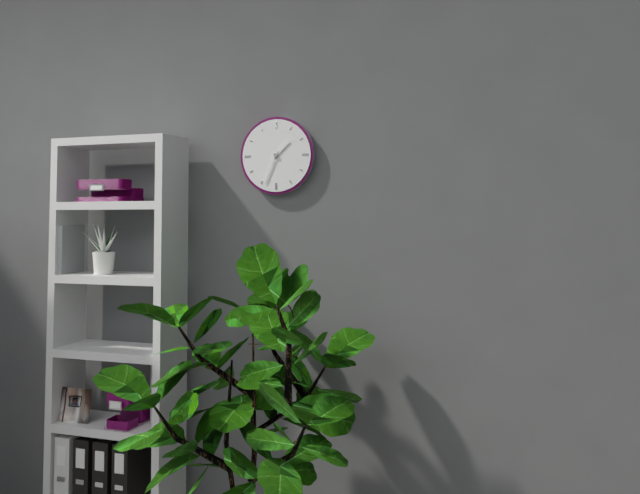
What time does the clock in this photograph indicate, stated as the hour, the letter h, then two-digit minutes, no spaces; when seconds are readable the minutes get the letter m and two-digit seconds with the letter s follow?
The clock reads 1h34
